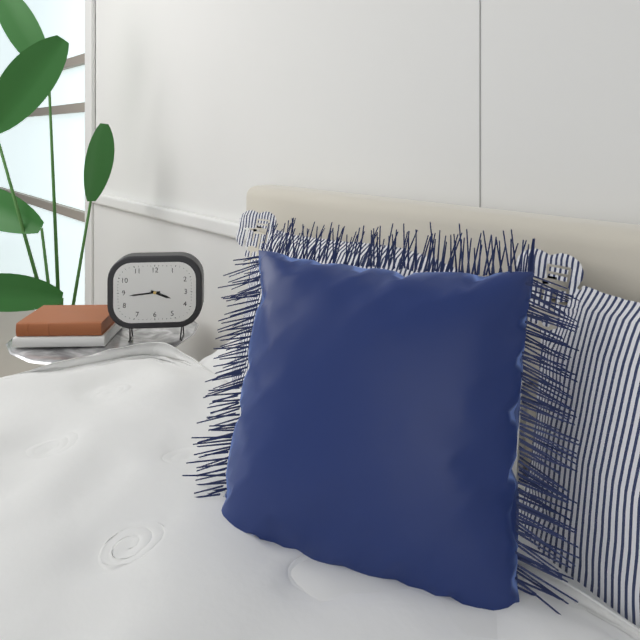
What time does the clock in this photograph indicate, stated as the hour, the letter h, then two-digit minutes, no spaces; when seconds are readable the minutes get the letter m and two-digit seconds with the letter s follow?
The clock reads 3h44
